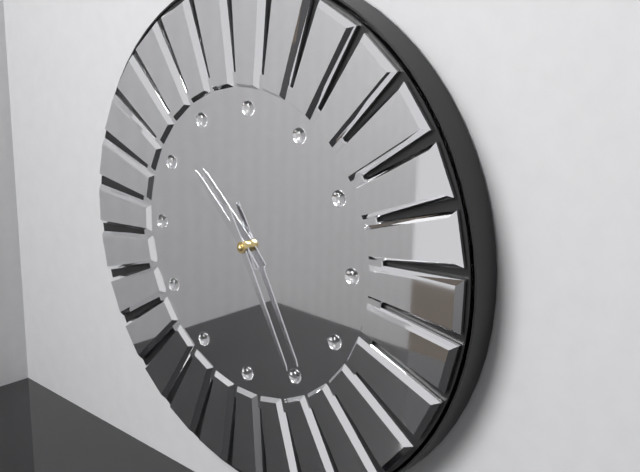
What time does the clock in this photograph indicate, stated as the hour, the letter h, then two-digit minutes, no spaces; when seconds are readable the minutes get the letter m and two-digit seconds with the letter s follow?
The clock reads 10h25
